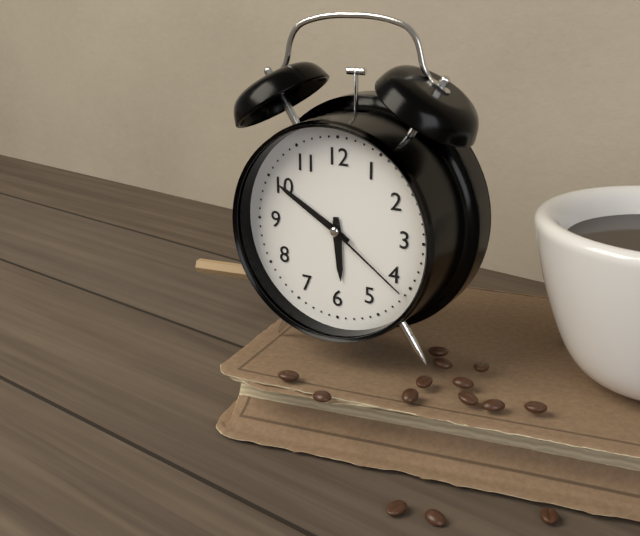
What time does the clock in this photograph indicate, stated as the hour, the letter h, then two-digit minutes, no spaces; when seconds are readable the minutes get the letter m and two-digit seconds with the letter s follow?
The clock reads 5h50m21s
